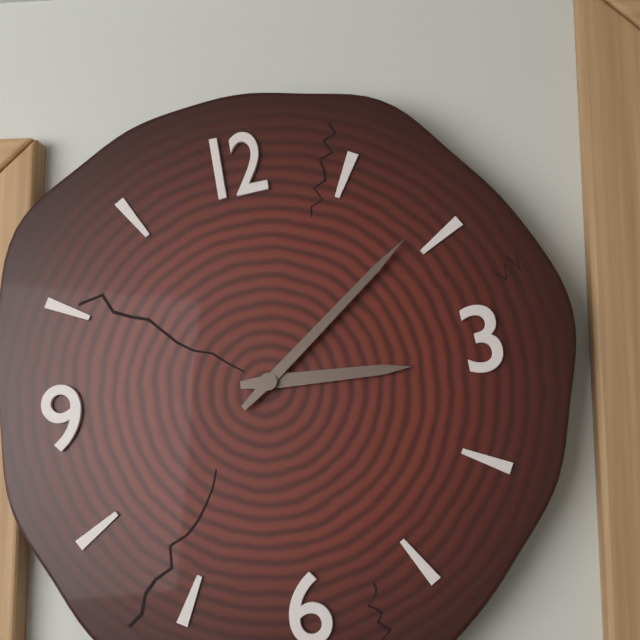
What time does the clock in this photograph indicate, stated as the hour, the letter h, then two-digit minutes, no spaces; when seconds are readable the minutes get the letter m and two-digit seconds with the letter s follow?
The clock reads 3h09
